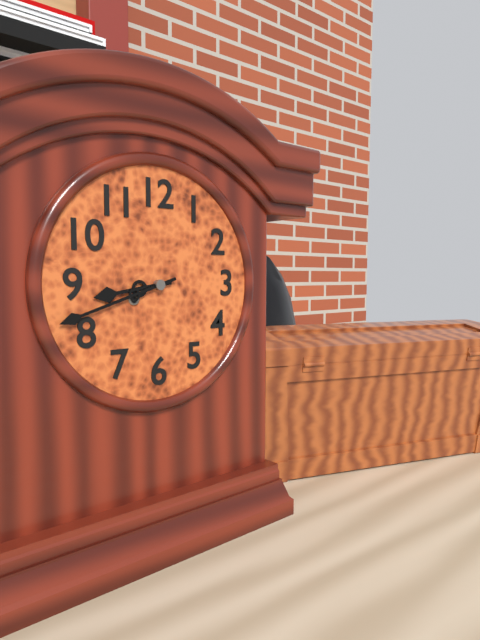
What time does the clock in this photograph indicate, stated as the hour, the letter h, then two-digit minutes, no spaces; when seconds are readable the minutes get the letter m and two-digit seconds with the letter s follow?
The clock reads 8h42
